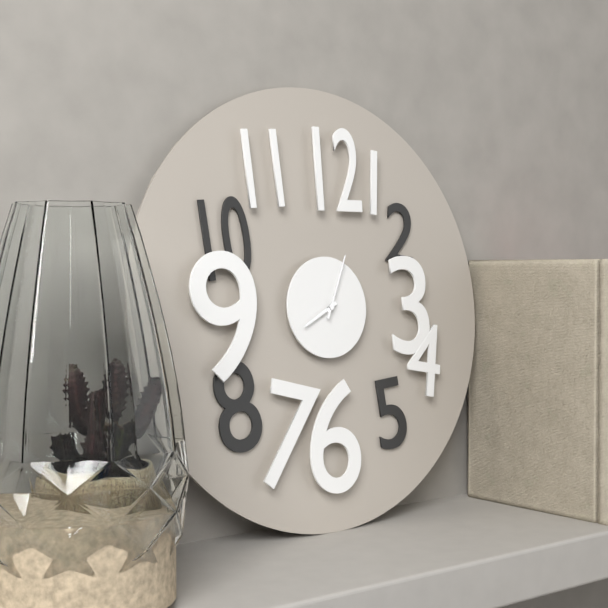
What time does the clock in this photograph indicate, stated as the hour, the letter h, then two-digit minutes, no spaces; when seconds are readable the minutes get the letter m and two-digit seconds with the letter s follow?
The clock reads 8h04
